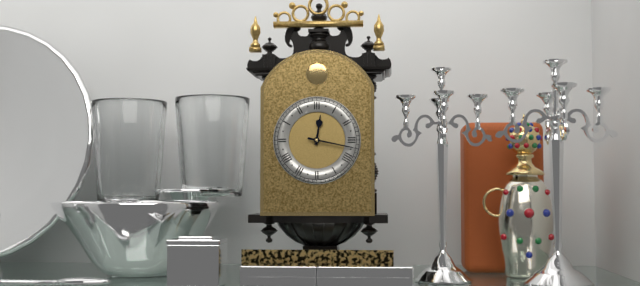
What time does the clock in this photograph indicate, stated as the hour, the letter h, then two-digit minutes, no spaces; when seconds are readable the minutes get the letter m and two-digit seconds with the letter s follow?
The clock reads 12h17
